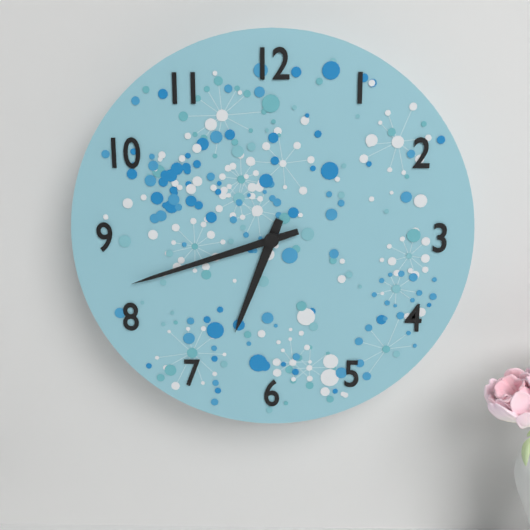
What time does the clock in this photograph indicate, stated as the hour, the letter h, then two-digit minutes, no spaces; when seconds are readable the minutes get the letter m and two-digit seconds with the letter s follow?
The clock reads 6h42
